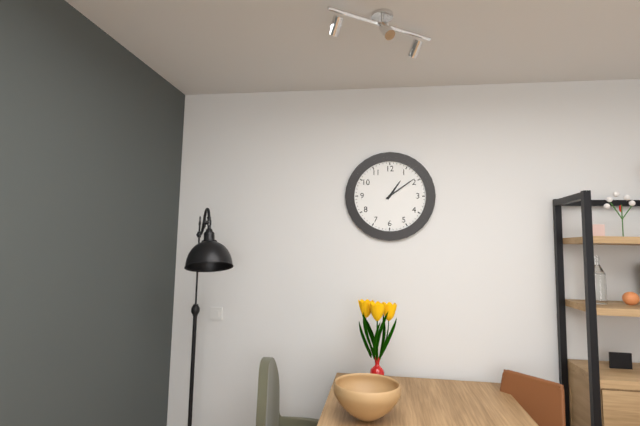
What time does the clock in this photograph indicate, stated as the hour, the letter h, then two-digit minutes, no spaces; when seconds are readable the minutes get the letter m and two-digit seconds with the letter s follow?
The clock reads 1h09
